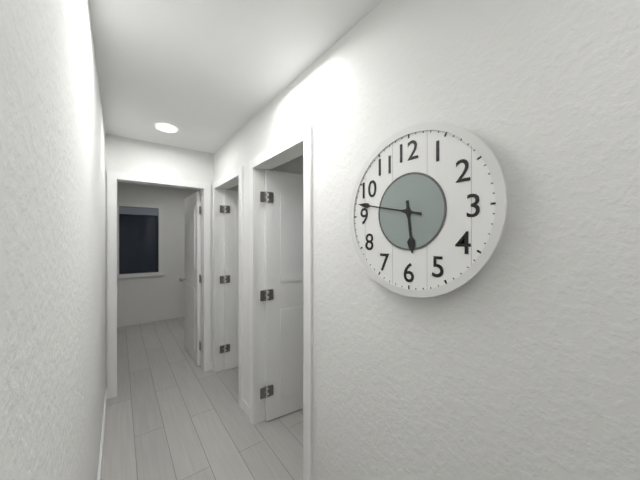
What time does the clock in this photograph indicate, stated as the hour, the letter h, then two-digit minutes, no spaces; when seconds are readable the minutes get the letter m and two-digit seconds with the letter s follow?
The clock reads 5h47
